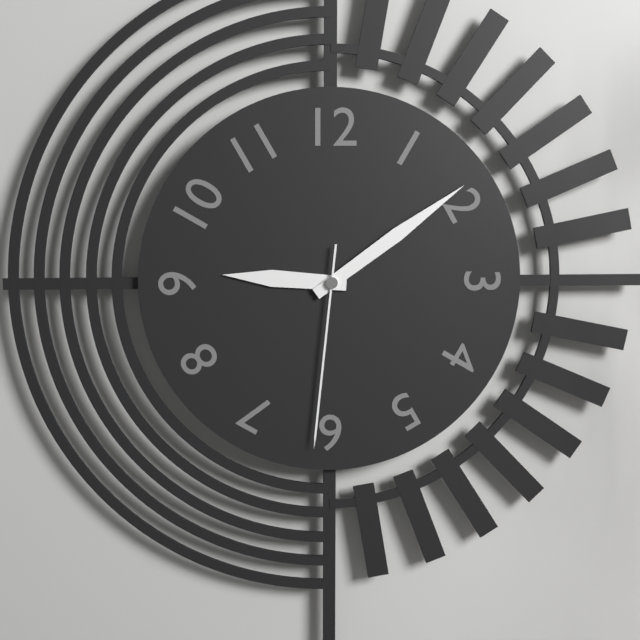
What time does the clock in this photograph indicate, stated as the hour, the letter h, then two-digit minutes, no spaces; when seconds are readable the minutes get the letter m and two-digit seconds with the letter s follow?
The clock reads 9h09m31s
